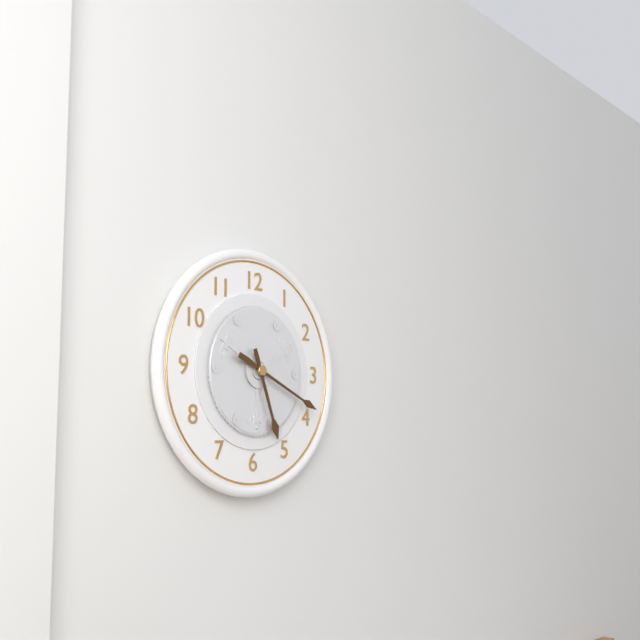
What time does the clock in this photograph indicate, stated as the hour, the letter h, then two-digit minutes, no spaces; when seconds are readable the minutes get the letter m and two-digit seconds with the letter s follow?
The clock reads 5h19
